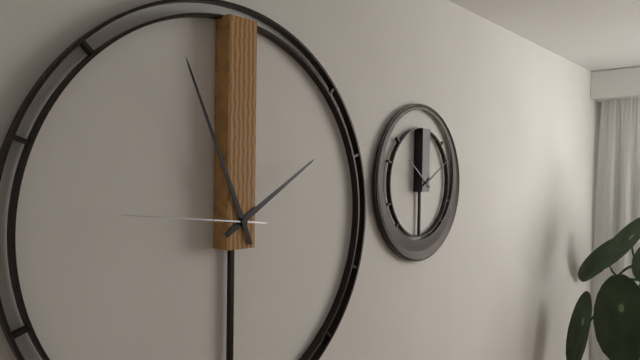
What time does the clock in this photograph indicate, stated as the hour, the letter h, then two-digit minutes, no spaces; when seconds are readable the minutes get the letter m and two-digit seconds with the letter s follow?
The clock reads 1h56m46s
